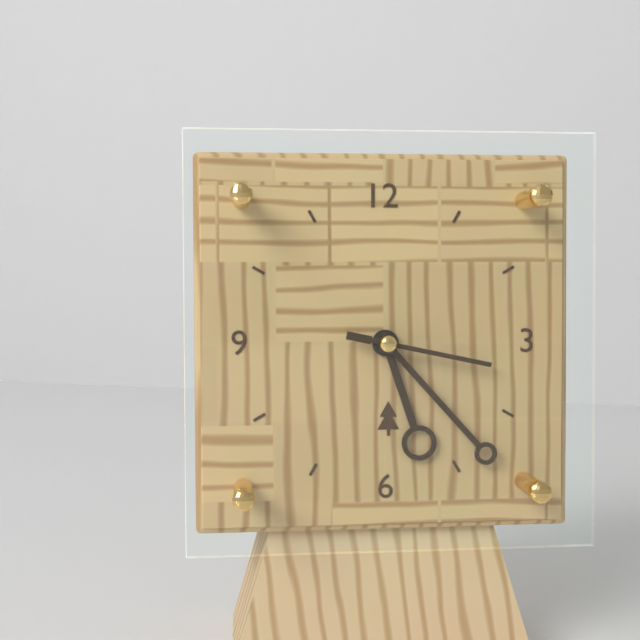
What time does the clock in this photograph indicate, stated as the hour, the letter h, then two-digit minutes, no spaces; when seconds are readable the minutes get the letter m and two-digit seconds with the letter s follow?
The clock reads 5h23m17s
